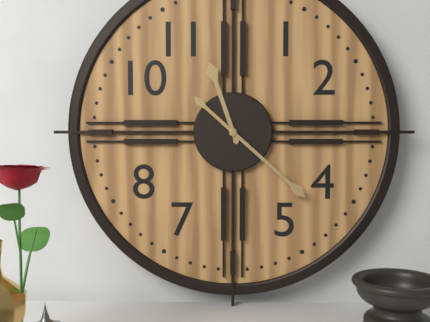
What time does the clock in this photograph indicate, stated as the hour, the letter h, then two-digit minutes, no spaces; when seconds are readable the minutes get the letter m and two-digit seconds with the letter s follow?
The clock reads 11h22
